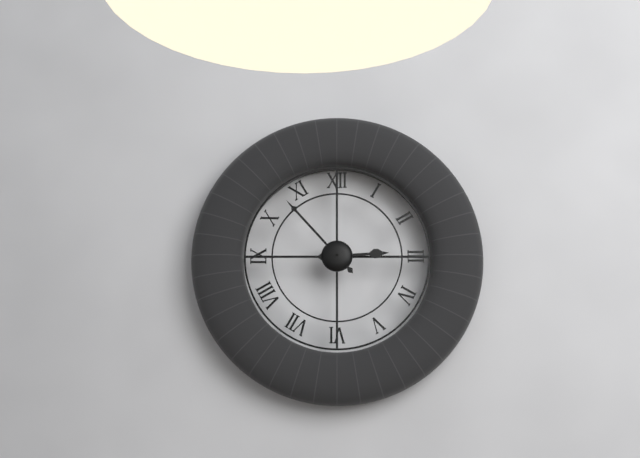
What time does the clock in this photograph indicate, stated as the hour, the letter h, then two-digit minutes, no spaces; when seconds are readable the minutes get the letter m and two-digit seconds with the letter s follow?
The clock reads 2h53
